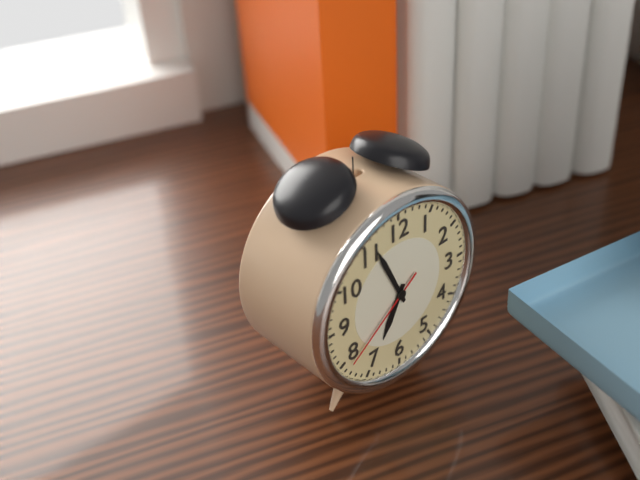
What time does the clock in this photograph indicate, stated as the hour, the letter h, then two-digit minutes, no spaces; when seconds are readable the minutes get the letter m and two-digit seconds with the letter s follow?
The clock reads 6h56m39s
